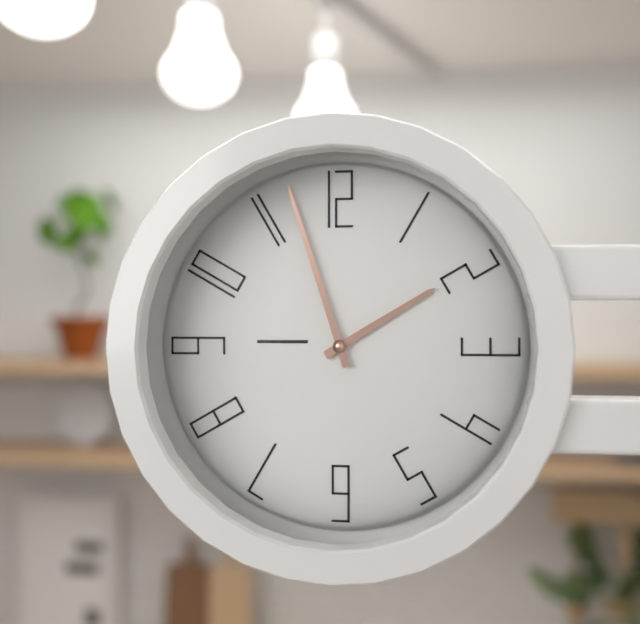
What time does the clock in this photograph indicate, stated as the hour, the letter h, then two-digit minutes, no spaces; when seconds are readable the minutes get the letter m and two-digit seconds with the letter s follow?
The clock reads 1h57
